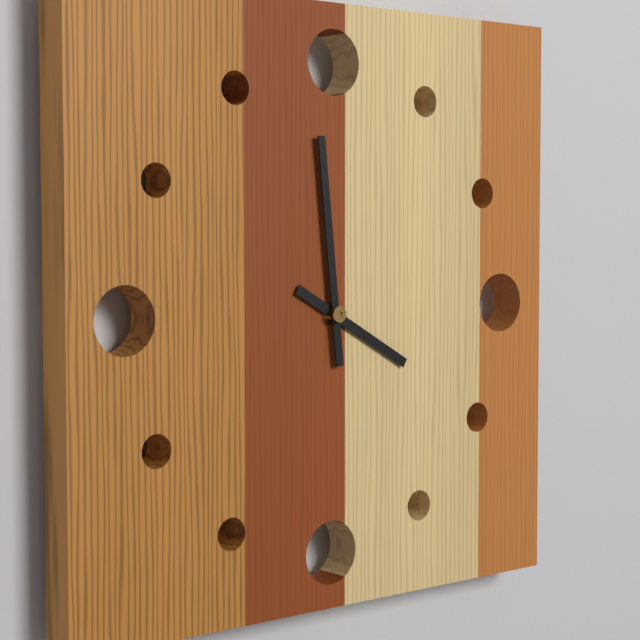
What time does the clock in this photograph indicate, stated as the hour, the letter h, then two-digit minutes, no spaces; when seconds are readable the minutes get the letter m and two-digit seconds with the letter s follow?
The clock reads 3h59
